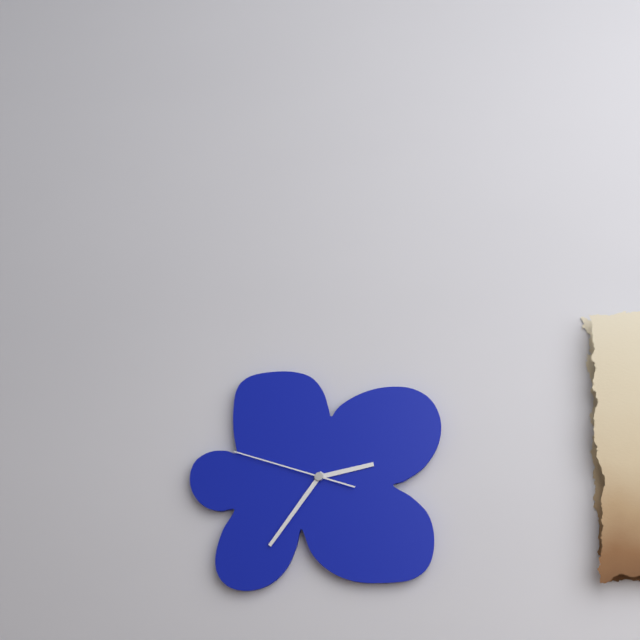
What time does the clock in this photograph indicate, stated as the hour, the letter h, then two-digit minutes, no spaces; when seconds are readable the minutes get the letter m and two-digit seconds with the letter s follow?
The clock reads 2h36m48s
